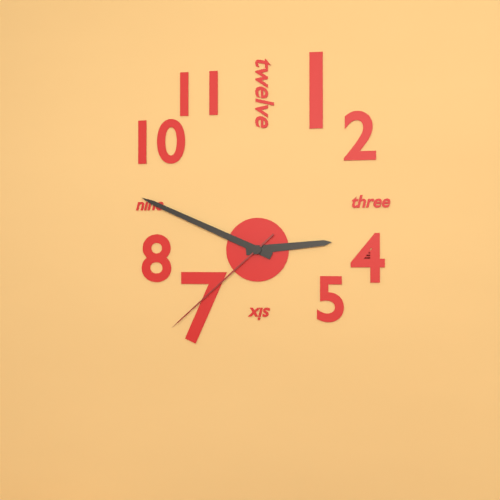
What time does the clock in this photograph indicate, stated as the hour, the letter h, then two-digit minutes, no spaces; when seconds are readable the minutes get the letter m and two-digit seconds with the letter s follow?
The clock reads 2h49m38s
